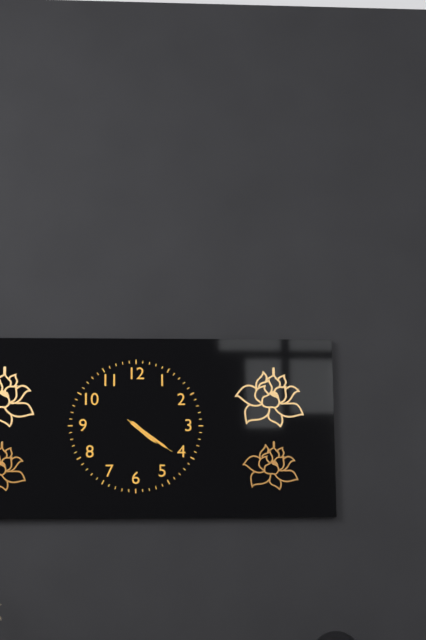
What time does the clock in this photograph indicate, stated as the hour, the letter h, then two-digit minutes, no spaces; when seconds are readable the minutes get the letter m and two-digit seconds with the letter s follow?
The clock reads 4h21m21s
